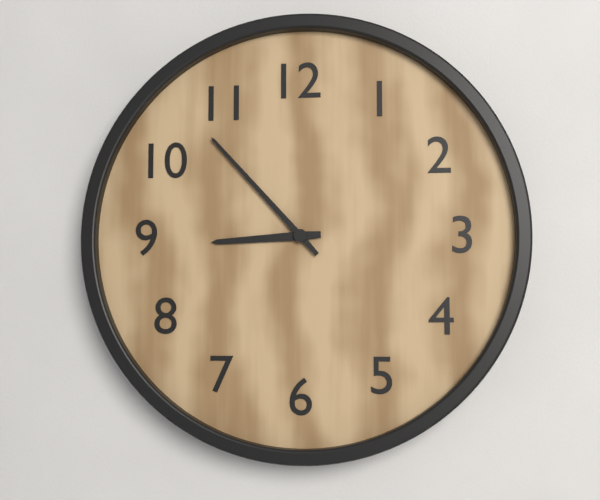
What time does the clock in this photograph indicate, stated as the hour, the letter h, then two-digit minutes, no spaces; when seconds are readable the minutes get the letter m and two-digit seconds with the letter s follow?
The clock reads 8h53
